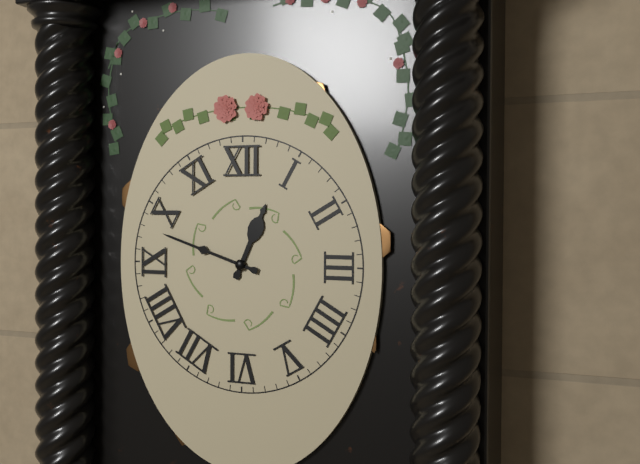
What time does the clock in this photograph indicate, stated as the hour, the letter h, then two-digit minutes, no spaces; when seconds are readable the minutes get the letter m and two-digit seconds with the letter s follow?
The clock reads 12h48
